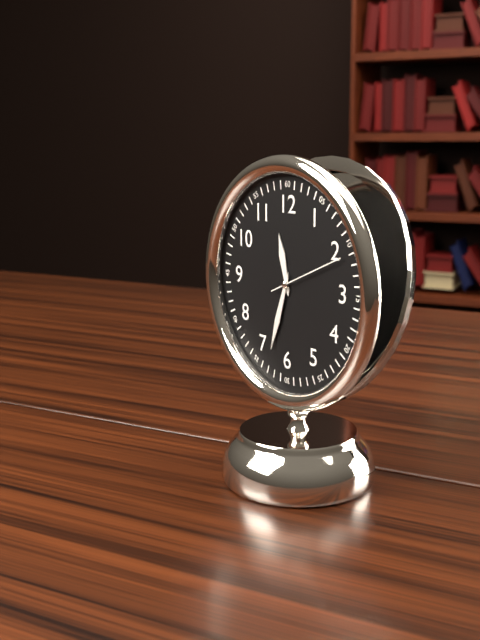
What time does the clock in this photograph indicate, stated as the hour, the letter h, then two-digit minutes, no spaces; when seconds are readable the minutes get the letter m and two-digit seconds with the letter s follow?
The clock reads 11h33m11s
